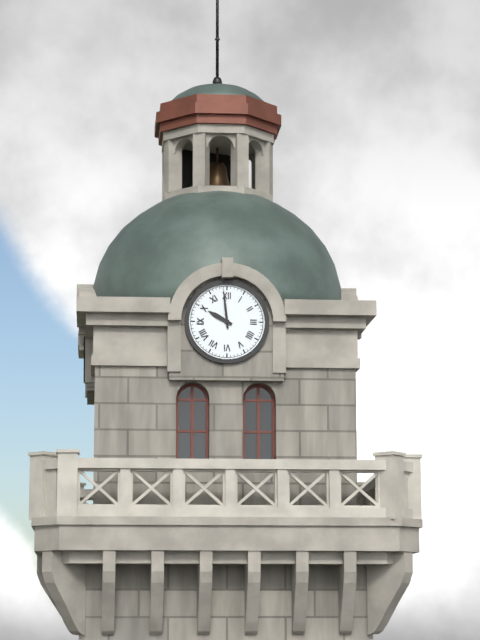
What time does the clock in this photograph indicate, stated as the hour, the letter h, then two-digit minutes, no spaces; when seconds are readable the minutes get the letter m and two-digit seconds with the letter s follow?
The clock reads 9h59
